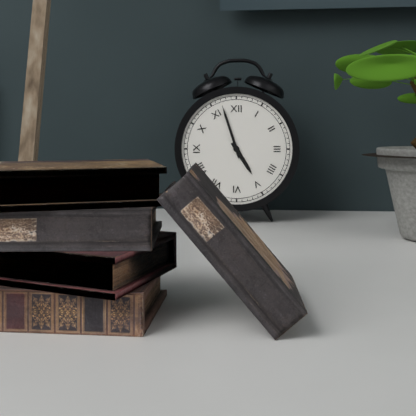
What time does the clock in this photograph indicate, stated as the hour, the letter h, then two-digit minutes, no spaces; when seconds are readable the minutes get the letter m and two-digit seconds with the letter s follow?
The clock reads 4h57
